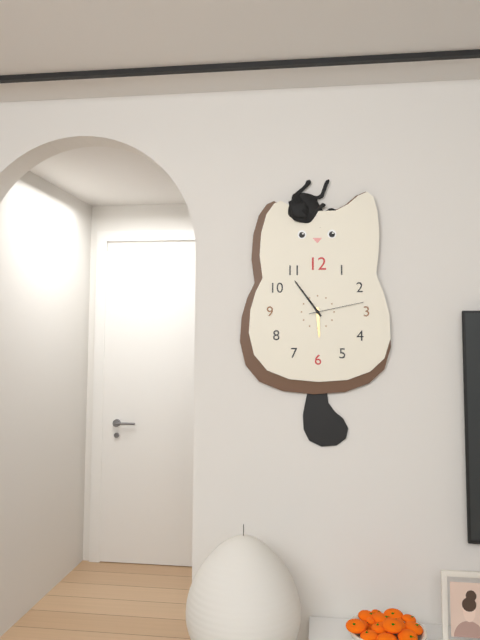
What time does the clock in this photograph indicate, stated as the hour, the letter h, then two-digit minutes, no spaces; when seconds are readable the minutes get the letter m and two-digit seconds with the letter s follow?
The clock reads 5h54m13s
